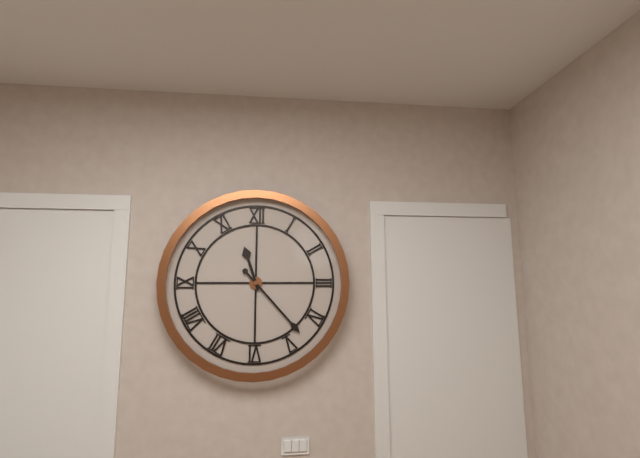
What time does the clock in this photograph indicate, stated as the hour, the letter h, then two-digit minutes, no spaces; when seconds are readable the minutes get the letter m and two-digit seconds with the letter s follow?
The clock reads 11h23
